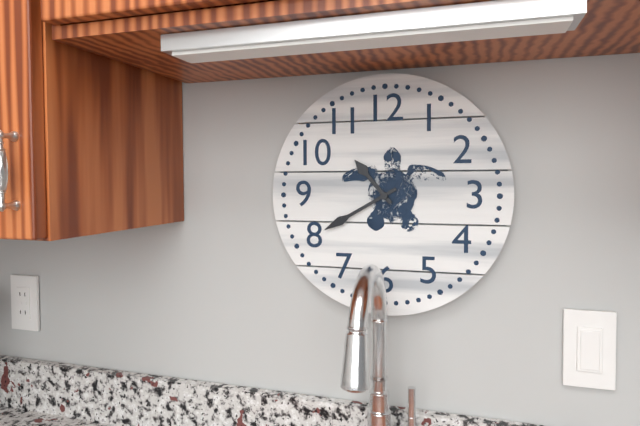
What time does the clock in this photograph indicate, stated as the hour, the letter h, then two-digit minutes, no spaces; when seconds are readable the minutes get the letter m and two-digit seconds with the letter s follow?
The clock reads 10h40
